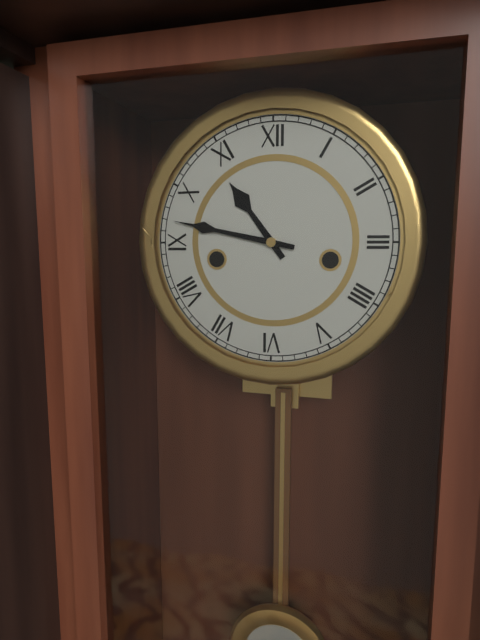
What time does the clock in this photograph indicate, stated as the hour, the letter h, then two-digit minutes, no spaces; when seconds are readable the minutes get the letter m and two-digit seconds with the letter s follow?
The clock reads 10h47
